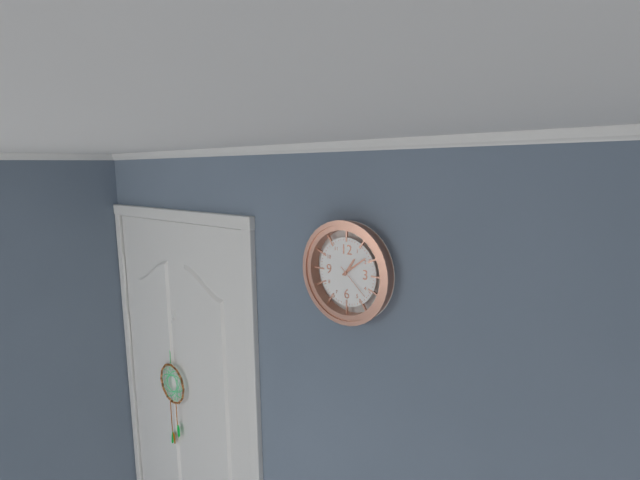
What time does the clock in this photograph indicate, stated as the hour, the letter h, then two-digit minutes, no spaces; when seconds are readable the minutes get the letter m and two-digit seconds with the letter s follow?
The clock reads 1h09
